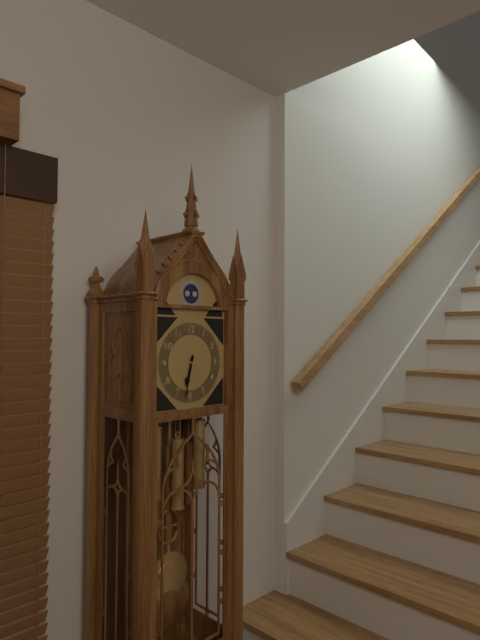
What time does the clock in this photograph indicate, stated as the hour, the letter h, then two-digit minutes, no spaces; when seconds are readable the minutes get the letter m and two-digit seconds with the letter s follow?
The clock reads 6h32
